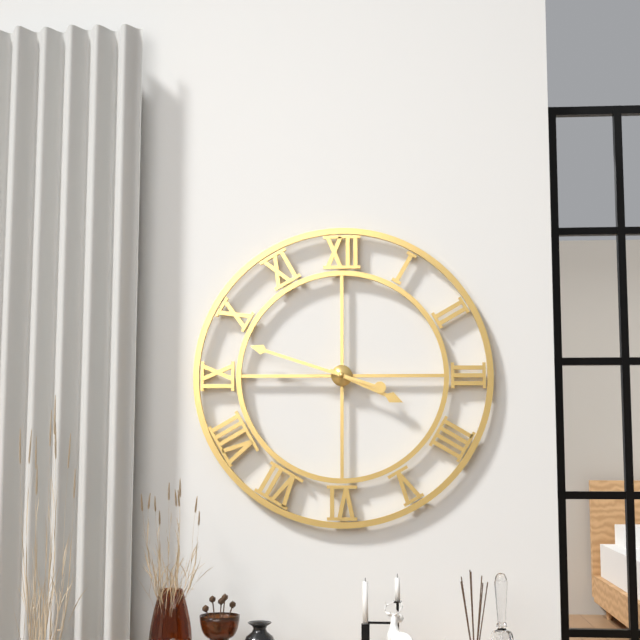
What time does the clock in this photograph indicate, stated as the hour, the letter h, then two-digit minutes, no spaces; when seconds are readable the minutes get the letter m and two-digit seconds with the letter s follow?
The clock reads 3h48
